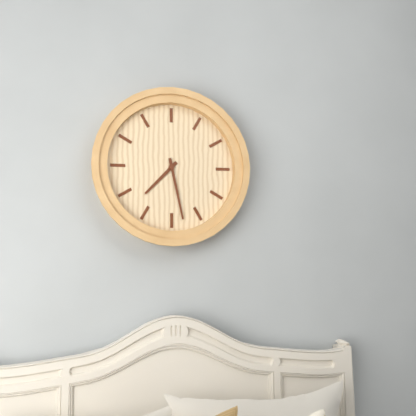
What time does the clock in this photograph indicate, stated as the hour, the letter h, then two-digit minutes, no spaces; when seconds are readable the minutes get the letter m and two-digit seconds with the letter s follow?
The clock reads 7h28
